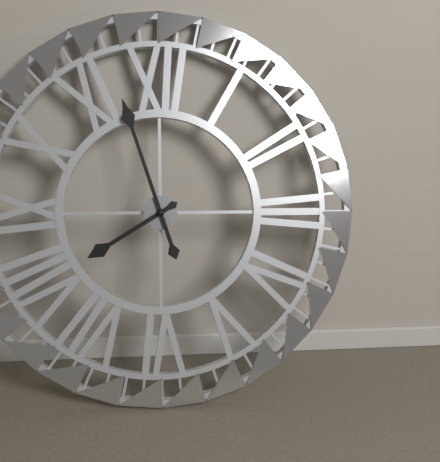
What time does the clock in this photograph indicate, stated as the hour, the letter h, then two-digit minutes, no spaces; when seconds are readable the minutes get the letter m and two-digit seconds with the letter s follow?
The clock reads 7h57
